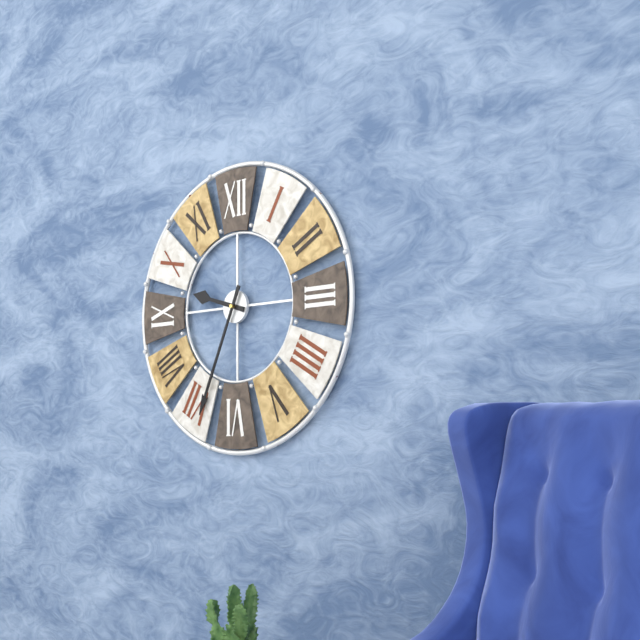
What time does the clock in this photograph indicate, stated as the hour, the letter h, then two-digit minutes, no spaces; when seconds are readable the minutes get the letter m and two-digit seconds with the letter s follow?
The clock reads 9h34
